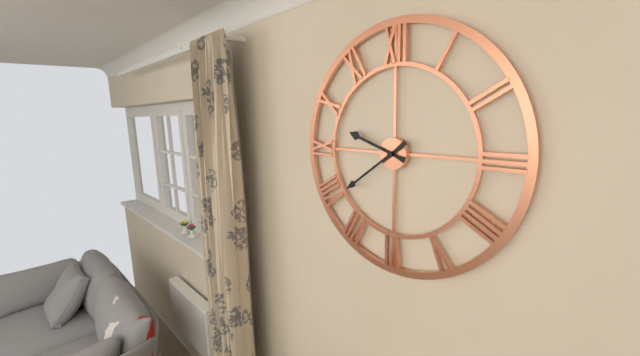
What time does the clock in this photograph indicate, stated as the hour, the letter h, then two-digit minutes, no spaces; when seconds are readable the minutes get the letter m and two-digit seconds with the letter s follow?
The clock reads 9h39
